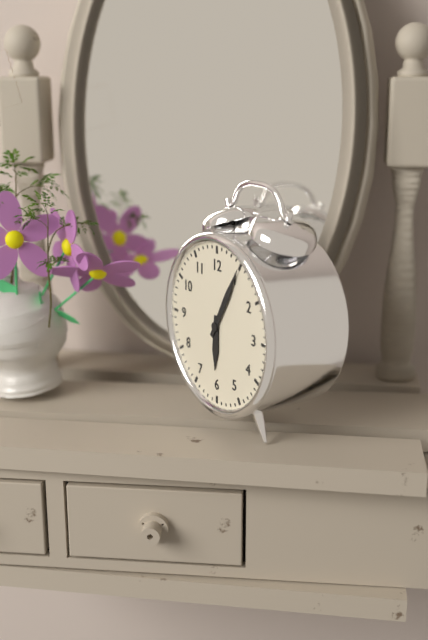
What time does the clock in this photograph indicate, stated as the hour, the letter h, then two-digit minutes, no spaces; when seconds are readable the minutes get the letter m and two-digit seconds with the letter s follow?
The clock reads 6h05
